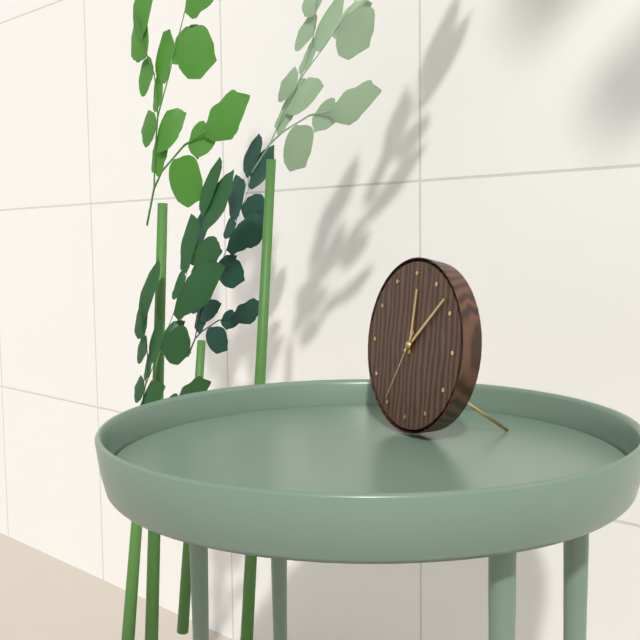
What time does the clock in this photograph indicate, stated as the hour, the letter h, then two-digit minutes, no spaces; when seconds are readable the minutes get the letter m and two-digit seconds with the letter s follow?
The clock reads 12h08m35s
